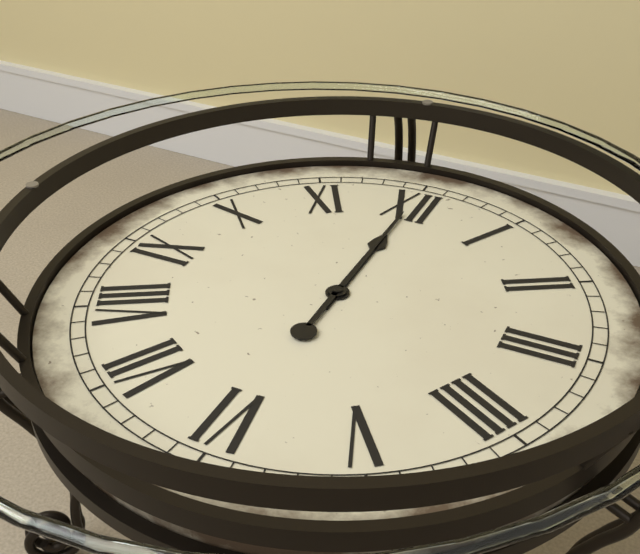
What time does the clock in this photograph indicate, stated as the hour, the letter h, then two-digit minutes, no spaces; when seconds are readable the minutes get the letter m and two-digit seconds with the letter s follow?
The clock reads 12h00
